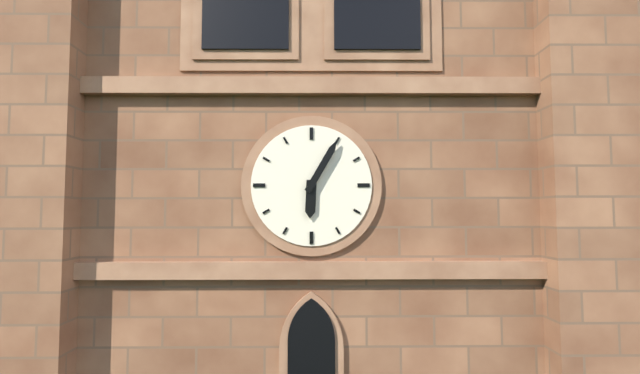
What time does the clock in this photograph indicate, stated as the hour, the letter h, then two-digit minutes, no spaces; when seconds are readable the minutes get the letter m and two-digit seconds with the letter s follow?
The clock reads 6h05
